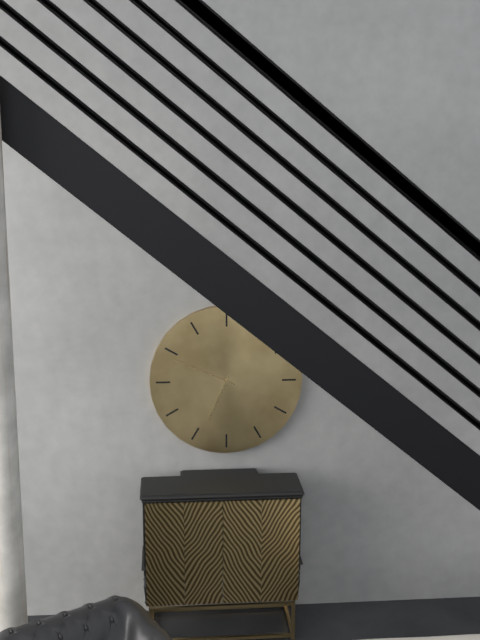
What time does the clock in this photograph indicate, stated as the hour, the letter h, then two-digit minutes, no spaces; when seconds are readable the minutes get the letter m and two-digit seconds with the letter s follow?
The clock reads 6h49
